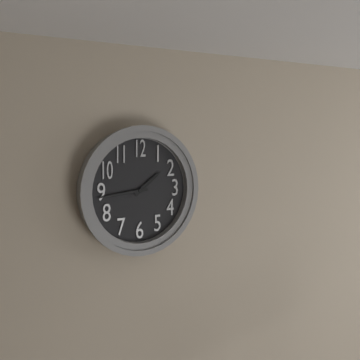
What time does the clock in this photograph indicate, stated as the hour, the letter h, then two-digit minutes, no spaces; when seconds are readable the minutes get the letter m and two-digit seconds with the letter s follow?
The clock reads 1h44
